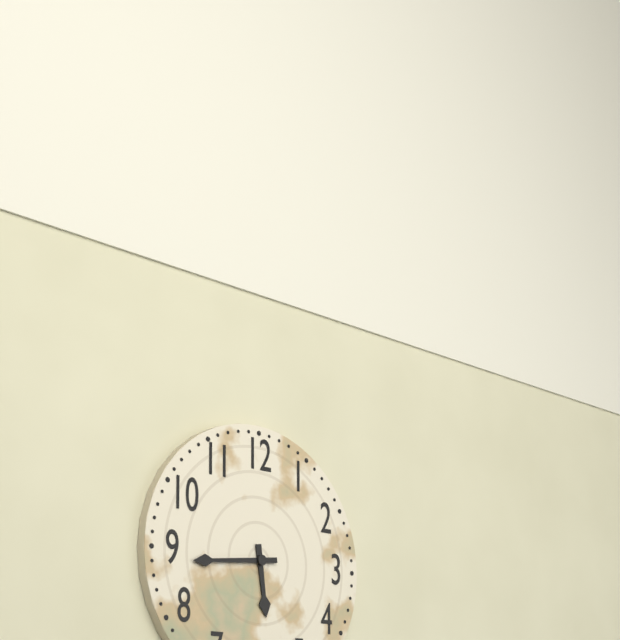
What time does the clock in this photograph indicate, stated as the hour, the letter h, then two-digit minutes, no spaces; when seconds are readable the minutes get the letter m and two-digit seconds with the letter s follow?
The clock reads 5h44
